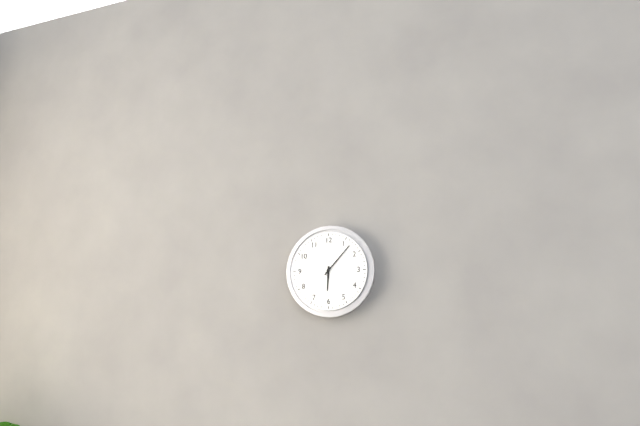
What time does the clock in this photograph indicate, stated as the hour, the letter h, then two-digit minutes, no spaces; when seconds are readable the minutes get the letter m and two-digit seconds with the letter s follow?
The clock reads 6h07
